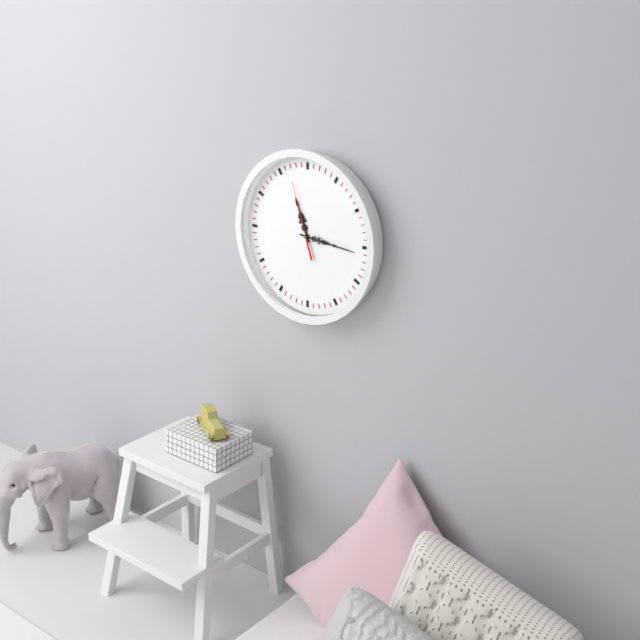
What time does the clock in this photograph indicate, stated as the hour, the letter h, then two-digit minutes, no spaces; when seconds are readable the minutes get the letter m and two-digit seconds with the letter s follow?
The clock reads 11h16m57s
